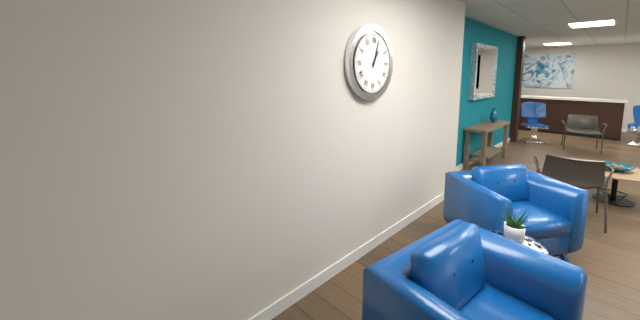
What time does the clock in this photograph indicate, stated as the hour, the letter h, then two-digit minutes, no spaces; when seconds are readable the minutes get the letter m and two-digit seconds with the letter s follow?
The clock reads 1h03
